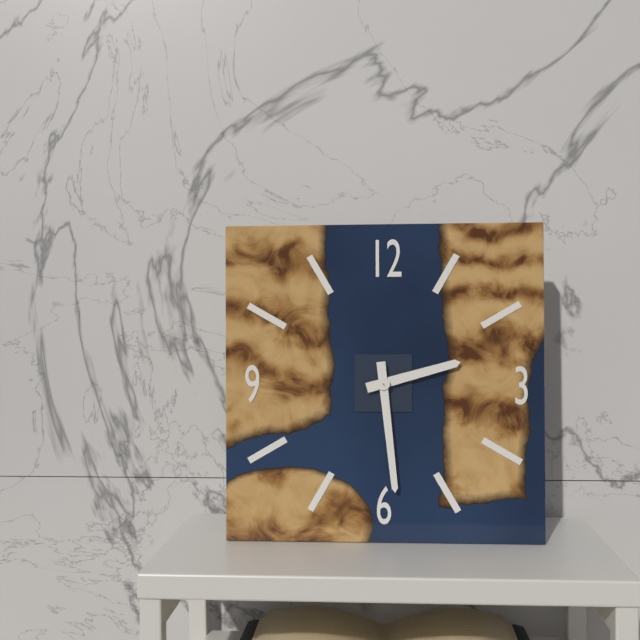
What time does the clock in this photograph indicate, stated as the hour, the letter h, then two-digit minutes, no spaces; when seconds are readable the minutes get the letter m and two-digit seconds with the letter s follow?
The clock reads 2h29
